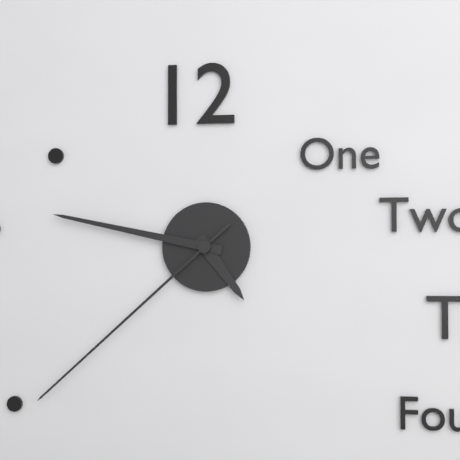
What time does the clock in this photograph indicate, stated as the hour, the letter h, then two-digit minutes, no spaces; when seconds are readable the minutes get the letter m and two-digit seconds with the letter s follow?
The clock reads 4h47m38s
